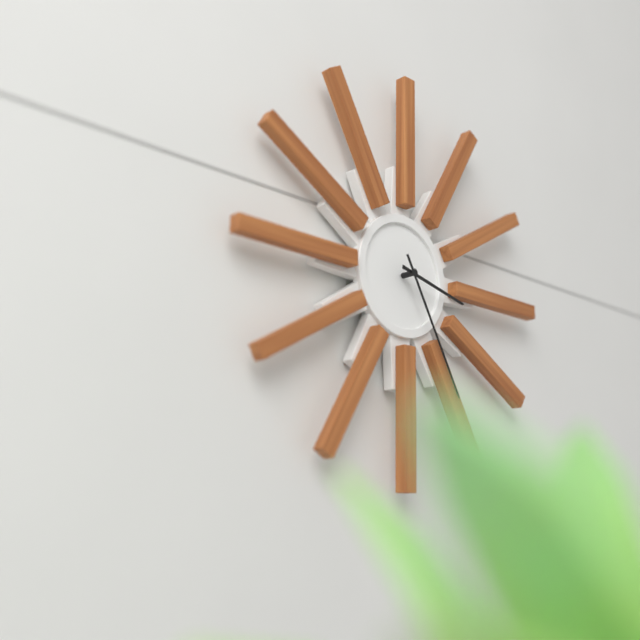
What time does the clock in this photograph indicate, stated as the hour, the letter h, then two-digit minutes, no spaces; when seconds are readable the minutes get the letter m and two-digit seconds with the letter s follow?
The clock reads 3h25
